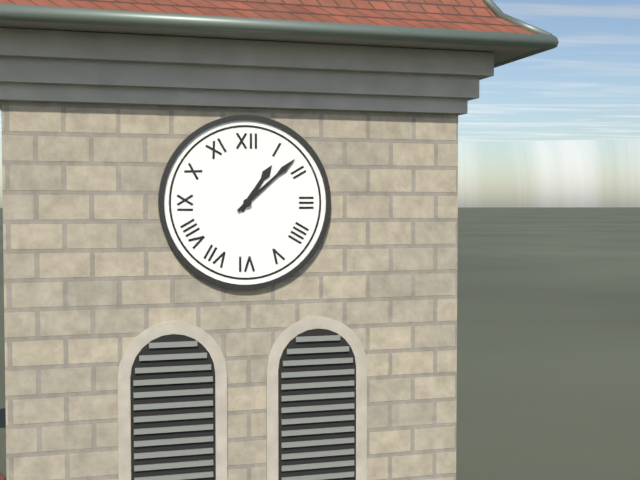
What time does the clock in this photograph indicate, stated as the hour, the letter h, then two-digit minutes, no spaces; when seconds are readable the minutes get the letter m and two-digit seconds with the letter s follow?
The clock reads 1h08
